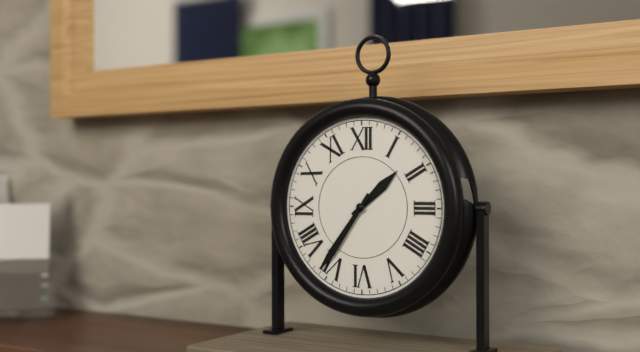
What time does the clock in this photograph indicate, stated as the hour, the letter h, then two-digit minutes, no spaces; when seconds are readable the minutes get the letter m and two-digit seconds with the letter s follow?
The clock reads 1h36
